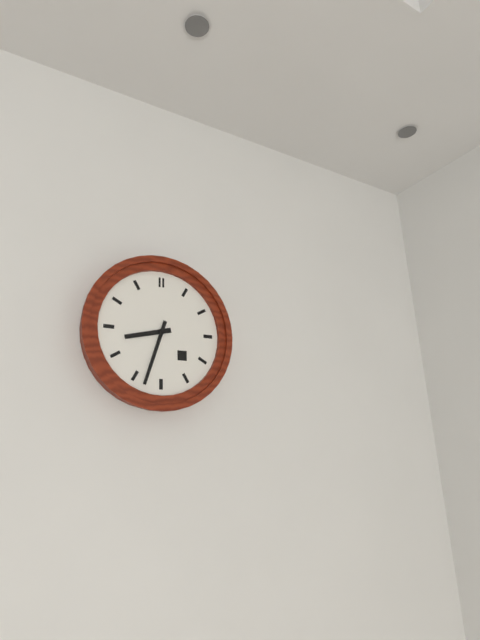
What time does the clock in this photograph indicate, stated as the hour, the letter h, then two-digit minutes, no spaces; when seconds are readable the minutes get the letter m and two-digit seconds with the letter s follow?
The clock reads 8h33
